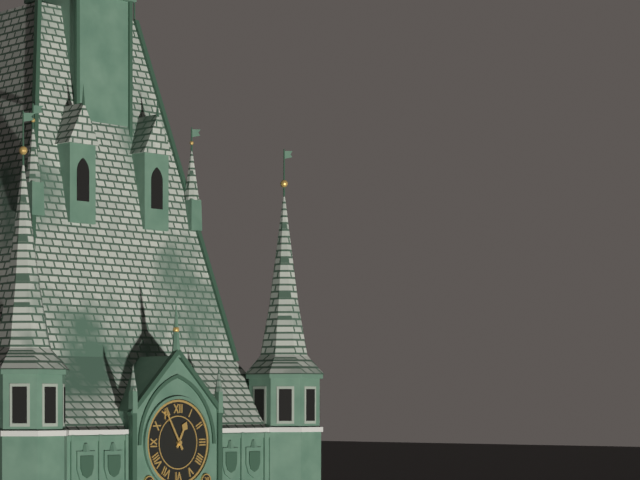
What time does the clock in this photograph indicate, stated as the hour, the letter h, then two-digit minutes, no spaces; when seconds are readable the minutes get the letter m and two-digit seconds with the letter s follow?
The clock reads 12h55
